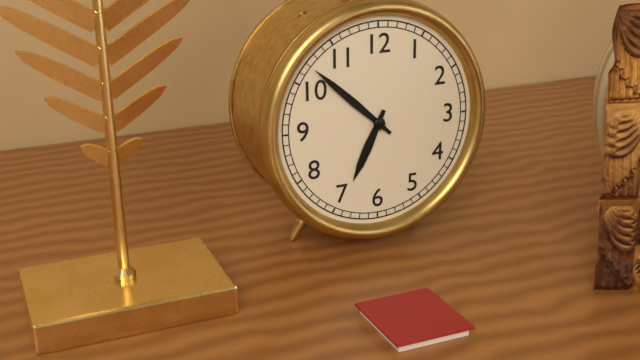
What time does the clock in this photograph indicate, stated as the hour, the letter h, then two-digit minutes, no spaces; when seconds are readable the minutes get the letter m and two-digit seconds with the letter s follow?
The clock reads 6h52
